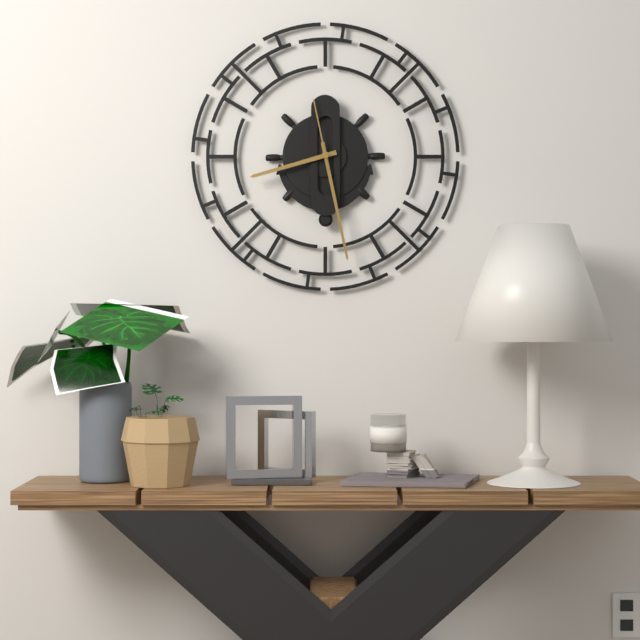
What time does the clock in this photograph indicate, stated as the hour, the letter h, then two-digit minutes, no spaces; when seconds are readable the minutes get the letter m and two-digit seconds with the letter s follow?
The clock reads 8h28m58s
